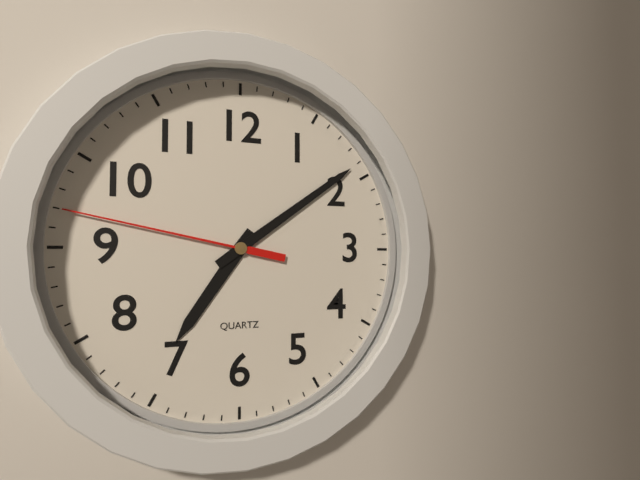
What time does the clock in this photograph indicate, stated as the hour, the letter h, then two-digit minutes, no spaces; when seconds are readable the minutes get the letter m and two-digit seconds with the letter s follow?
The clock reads 7h09m47s
